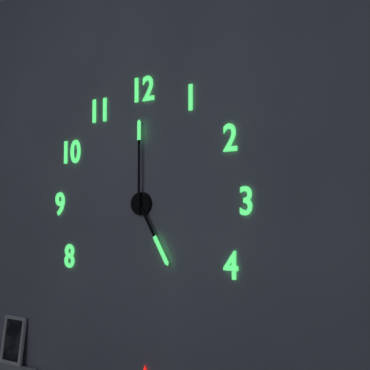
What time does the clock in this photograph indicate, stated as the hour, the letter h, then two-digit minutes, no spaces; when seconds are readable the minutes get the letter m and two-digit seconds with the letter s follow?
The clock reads 5h00
